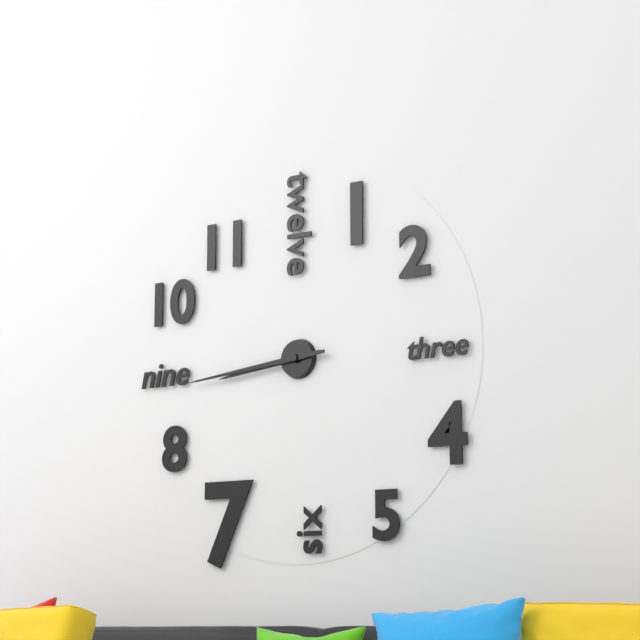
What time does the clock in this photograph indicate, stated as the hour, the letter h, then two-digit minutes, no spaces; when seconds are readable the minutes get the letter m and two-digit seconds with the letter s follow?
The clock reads 8h44
